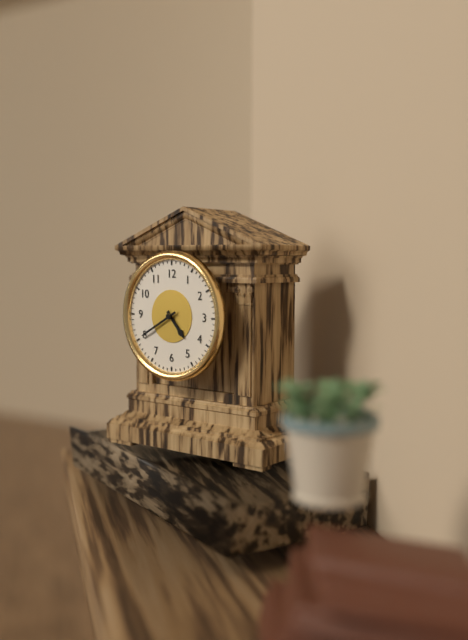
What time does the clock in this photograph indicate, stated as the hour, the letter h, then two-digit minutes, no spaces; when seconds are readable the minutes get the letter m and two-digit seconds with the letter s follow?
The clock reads 4h40
